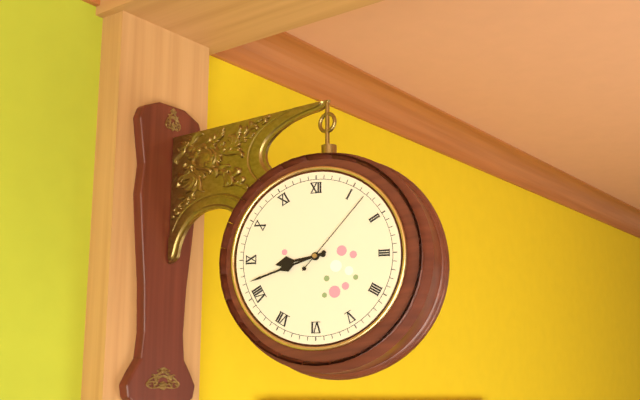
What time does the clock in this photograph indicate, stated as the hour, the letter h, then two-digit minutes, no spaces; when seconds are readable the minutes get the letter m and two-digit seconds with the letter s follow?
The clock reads 8h42m07s
